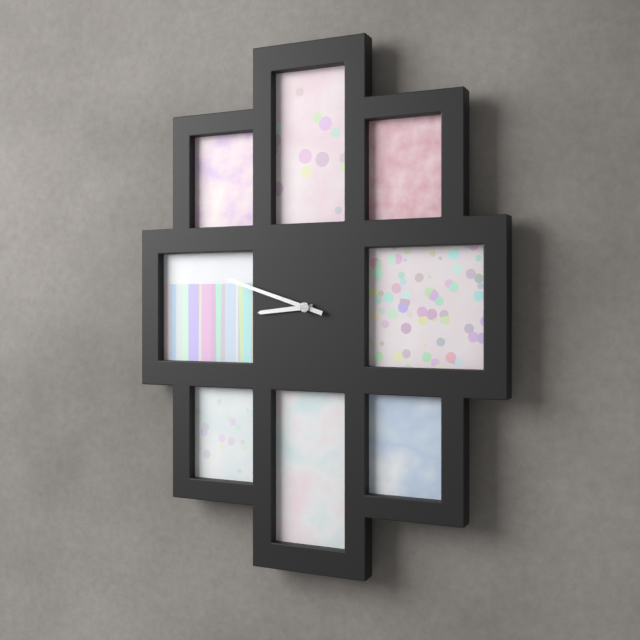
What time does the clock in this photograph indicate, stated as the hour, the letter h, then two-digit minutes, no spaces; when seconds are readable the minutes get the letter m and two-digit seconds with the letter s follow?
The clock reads 8h48
